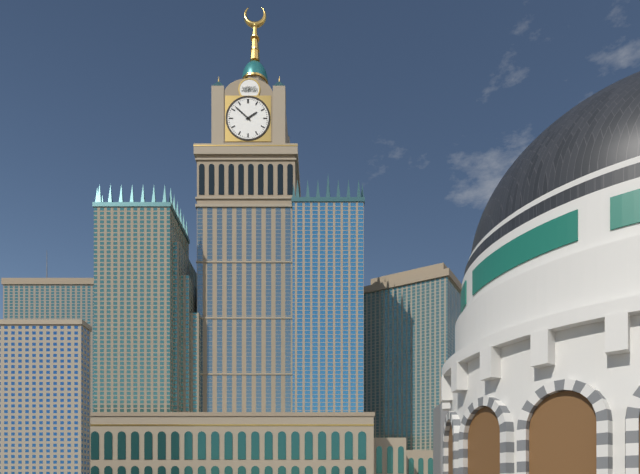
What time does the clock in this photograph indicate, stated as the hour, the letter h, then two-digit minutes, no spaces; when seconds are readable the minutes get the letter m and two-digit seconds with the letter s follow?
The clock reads 1h52
